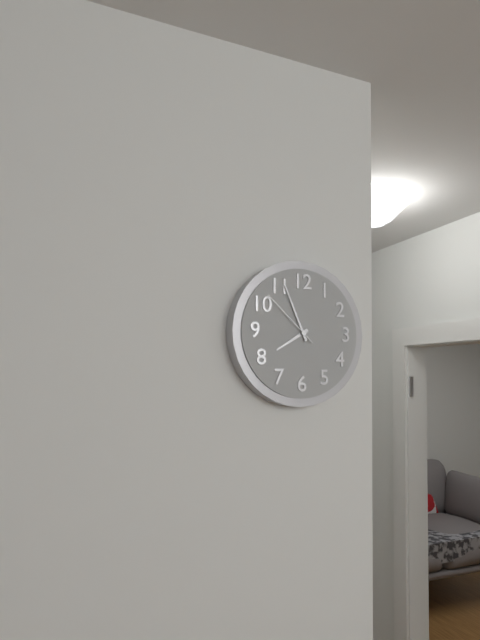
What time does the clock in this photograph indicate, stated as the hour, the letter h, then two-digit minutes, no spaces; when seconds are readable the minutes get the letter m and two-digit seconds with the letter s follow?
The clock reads 7h56m52s
